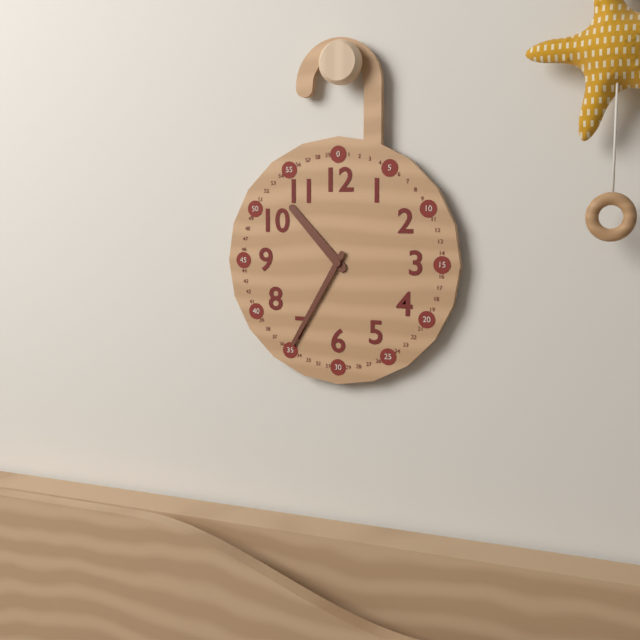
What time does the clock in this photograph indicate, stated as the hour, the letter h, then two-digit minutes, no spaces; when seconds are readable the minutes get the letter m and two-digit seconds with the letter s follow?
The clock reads 10h35
